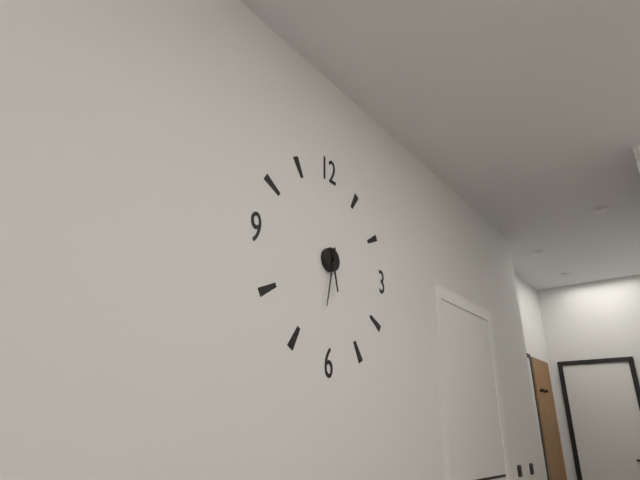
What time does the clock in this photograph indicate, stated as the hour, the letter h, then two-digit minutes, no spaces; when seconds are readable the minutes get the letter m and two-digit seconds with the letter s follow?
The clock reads 5h32
